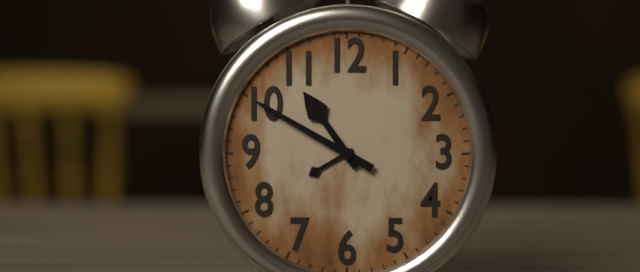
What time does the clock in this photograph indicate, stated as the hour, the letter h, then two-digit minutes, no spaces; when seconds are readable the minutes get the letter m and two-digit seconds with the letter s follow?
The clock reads 10h50
